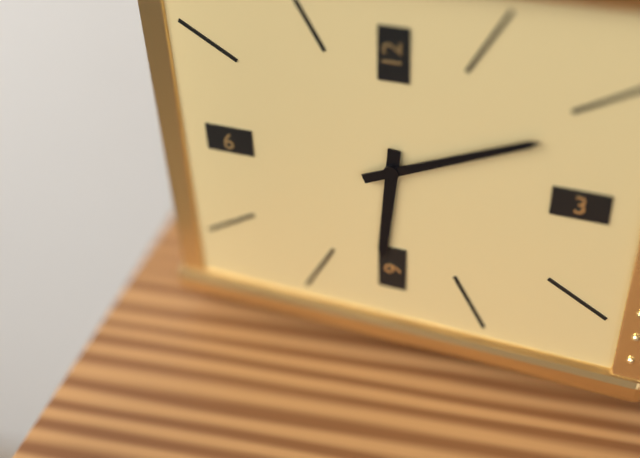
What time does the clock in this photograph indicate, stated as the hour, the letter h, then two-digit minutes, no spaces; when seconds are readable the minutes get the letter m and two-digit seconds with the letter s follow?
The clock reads 6h11
